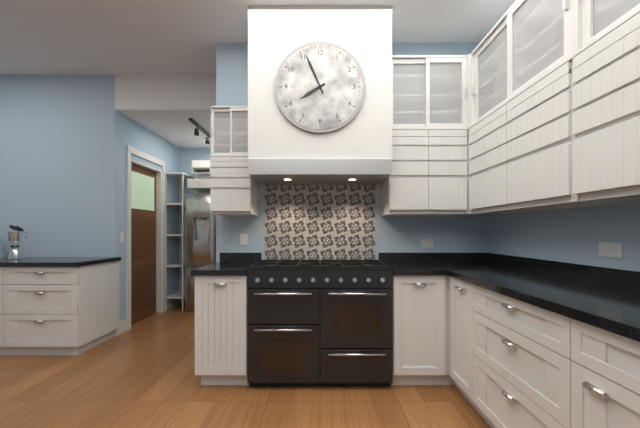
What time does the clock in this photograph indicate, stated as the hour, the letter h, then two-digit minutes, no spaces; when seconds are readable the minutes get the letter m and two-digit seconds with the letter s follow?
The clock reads 7h56
